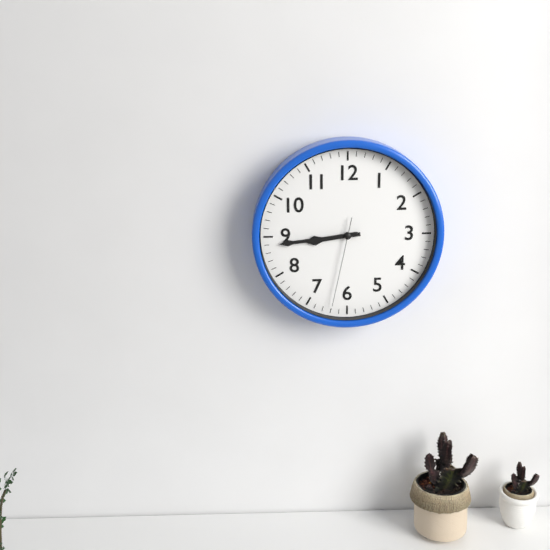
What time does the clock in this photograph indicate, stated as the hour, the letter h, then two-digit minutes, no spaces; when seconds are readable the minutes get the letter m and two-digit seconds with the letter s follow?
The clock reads 8h44m32s
